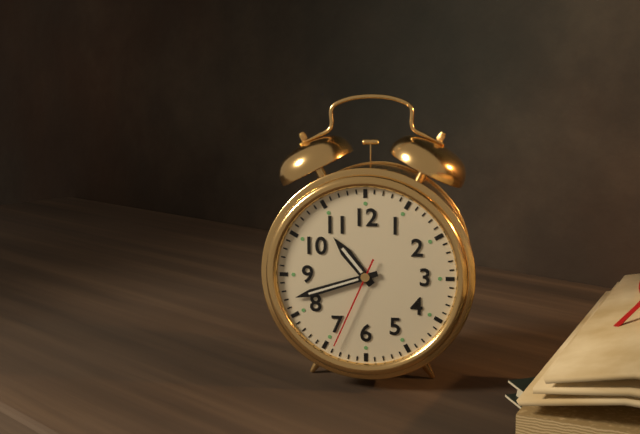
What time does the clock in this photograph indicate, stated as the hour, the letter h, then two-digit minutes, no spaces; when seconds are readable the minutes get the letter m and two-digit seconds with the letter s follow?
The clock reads 10h42m34s
